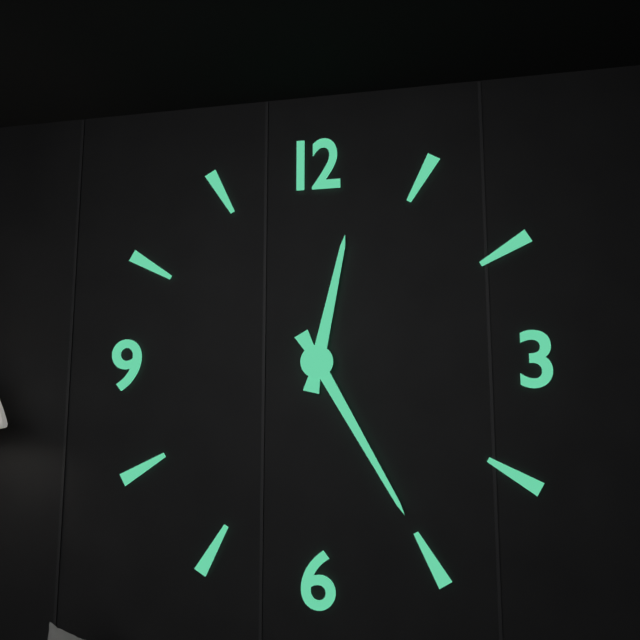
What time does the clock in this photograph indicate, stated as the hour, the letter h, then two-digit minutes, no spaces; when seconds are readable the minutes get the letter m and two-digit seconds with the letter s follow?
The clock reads 12h25
